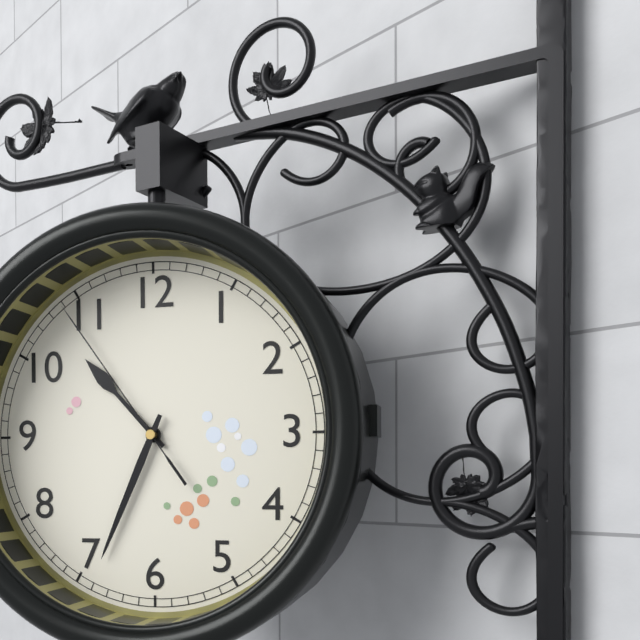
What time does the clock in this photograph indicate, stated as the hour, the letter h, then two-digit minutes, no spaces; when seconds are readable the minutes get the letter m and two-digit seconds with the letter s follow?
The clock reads 10h34m54s
